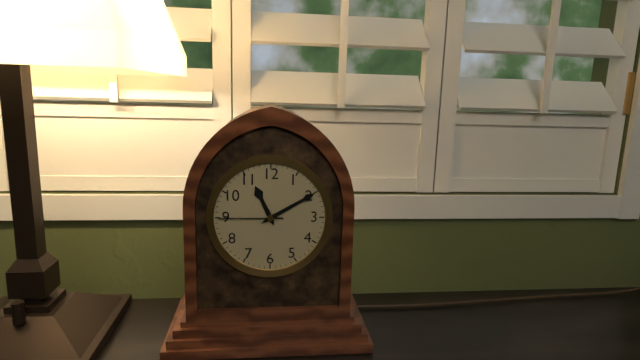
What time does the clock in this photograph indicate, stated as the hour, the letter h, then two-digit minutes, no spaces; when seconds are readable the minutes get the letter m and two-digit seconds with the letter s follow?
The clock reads 11h10m45s
